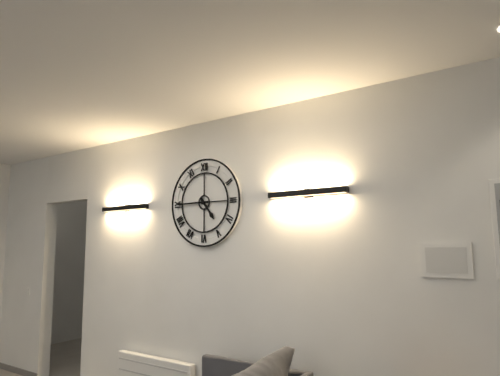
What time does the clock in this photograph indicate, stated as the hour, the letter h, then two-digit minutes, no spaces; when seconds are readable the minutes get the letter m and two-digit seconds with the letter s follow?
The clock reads 4h45
